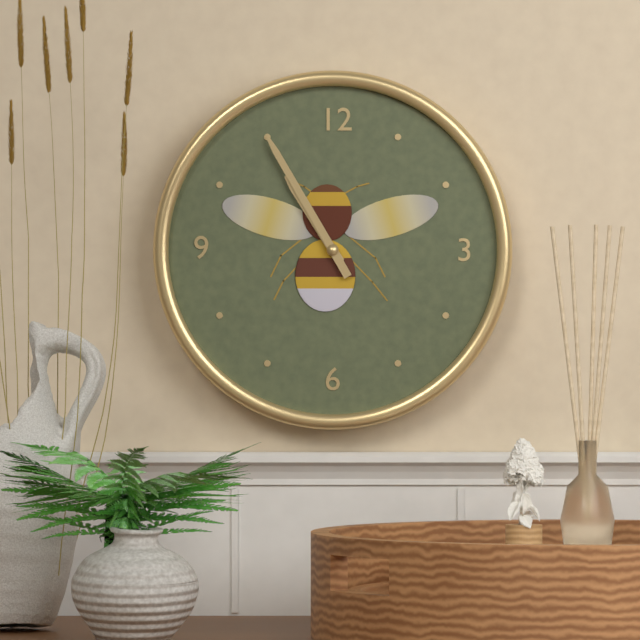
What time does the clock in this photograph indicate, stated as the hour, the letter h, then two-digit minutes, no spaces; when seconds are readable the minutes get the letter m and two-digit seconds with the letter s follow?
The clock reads 10h55
